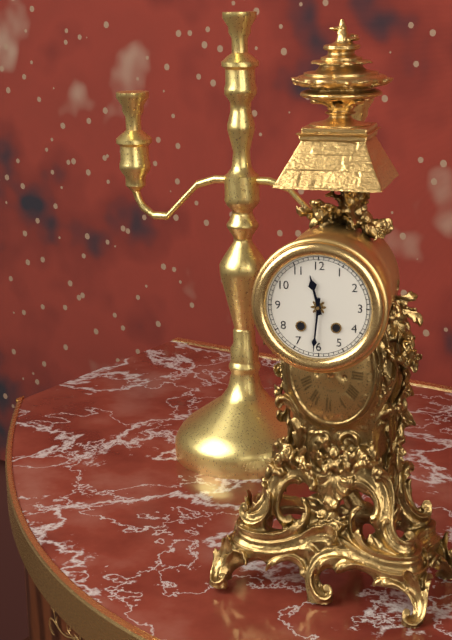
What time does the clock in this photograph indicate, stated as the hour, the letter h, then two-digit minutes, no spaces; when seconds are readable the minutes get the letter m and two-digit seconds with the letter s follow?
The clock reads 11h31
